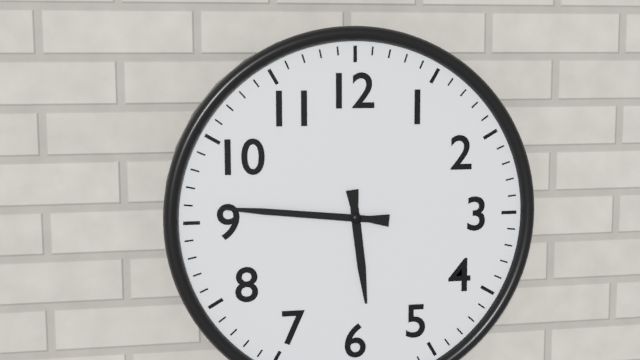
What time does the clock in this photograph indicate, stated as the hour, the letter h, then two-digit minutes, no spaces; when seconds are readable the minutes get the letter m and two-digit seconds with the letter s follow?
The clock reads 5h46
